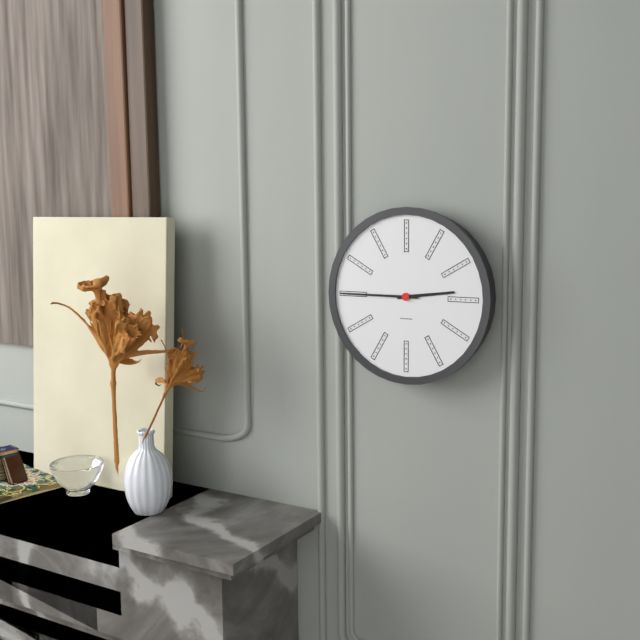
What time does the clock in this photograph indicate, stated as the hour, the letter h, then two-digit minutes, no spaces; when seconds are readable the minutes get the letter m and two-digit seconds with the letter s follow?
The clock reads 2h45
